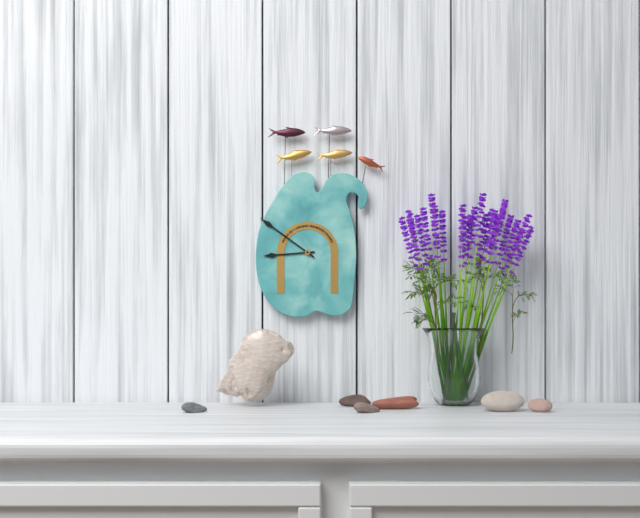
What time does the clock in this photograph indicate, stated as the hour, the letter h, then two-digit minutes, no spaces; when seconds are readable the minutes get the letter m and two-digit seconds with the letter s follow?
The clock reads 8h51
